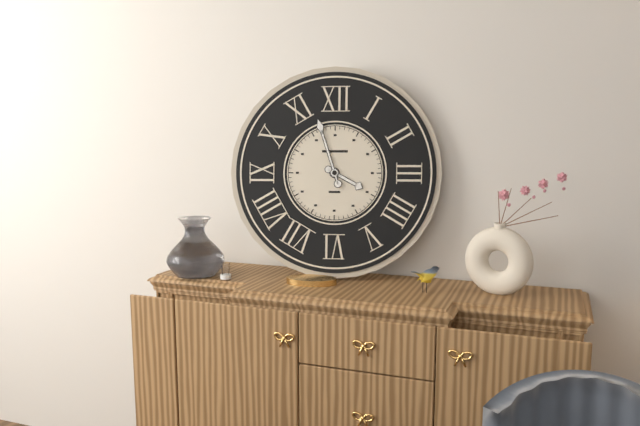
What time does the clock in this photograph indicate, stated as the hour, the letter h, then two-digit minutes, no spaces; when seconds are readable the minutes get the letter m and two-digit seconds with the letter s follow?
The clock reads 3h57
